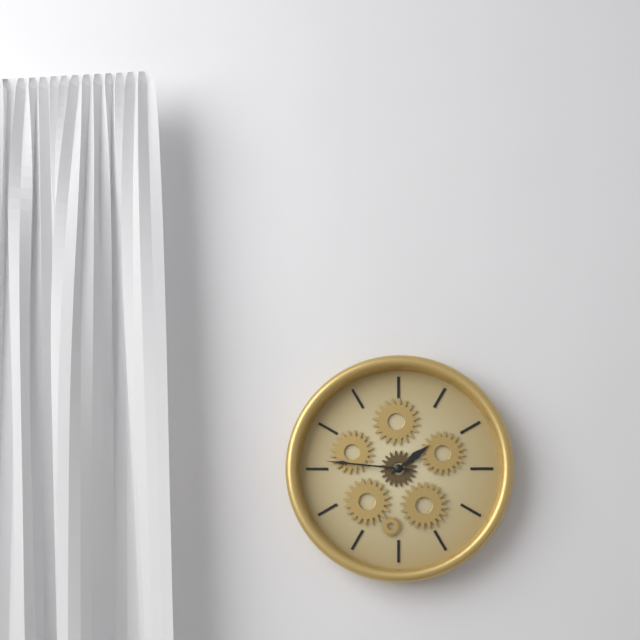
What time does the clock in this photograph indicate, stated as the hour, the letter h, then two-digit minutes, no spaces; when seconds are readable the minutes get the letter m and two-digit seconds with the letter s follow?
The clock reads 1h46
